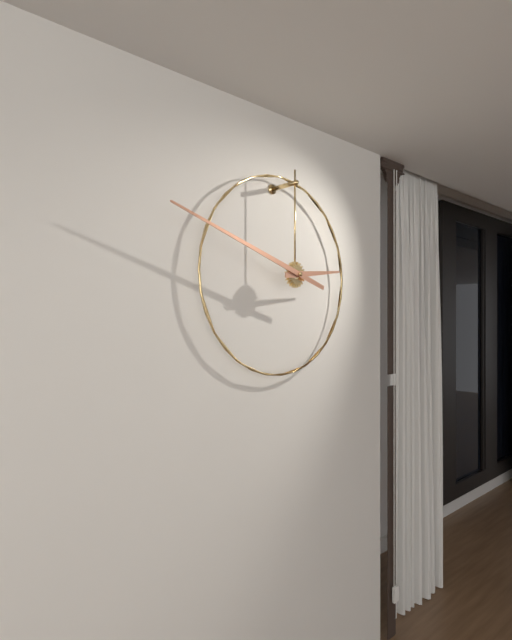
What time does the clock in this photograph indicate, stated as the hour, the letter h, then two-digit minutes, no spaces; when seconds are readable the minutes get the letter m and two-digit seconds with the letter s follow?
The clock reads 2h48
